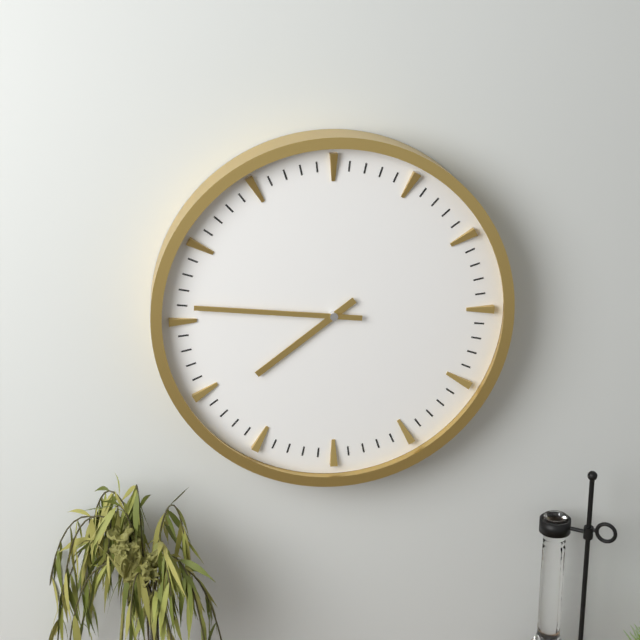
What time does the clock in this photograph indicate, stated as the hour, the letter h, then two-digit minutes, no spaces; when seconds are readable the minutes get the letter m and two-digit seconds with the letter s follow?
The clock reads 7h46
